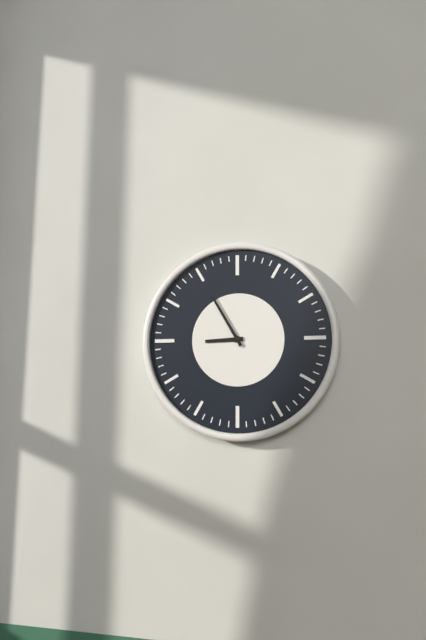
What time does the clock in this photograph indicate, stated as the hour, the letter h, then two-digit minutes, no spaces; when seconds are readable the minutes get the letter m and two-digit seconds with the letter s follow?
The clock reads 8h55
